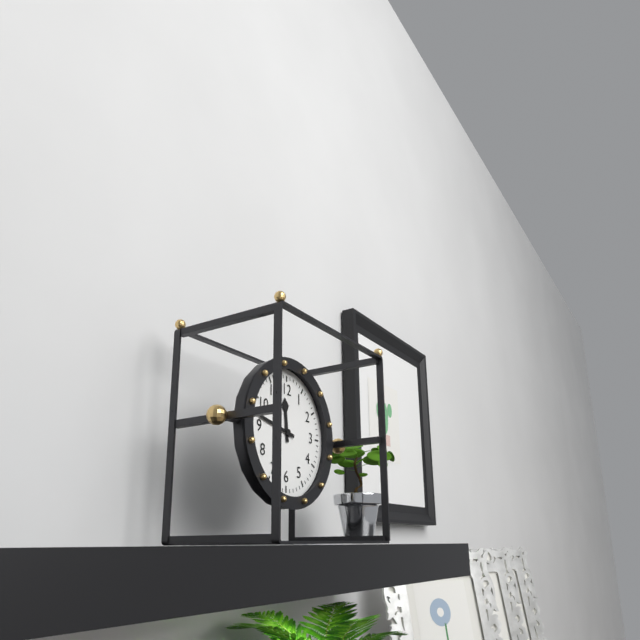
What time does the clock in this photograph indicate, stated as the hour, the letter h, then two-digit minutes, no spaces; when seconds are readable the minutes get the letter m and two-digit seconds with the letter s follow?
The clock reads 11h47
